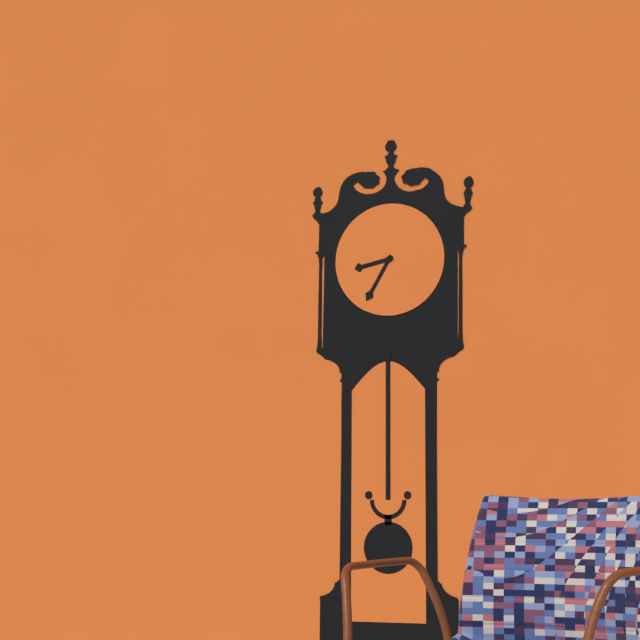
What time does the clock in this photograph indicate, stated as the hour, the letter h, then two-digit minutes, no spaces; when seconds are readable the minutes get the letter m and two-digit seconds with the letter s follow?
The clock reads 8h35
